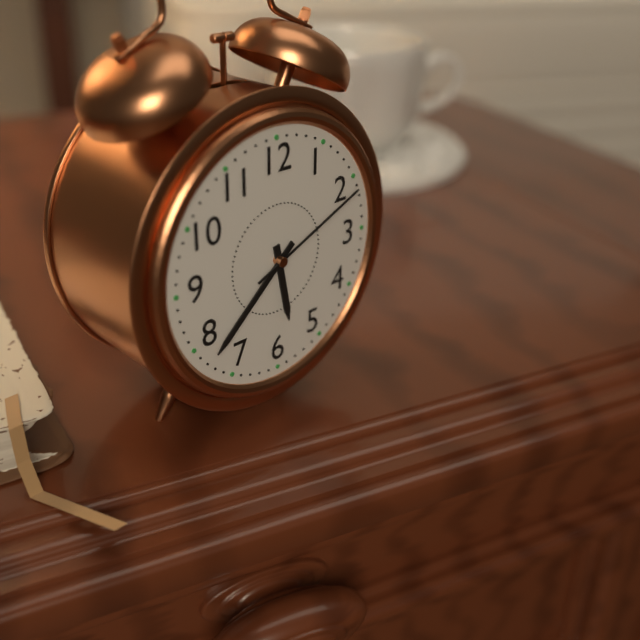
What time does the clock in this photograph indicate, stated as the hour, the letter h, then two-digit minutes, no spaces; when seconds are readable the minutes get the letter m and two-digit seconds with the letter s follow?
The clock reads 5h38m11s
